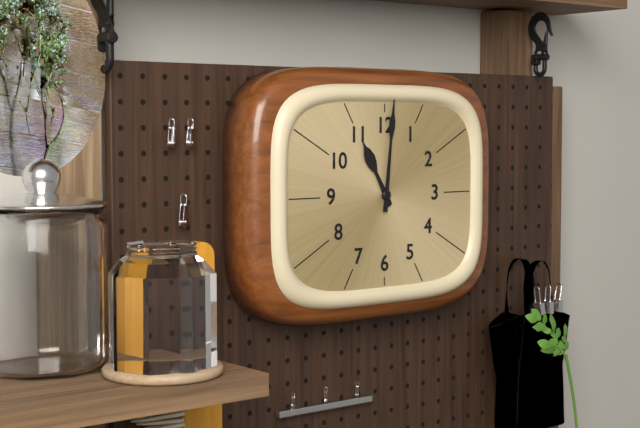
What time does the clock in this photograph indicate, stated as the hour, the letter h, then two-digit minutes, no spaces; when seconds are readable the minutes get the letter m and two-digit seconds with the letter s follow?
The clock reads 11h01
